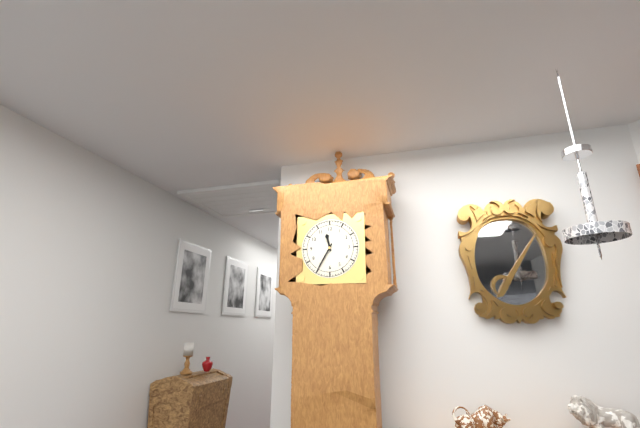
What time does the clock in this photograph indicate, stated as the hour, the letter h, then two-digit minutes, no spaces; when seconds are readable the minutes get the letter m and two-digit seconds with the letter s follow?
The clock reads 11h35
